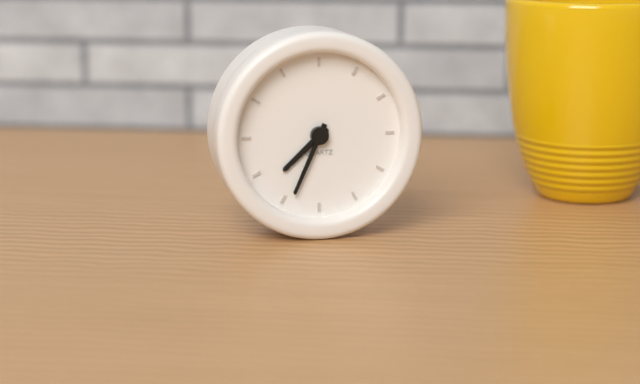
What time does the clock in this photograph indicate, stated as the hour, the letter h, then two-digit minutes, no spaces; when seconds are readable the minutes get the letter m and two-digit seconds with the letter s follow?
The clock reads 7h34
